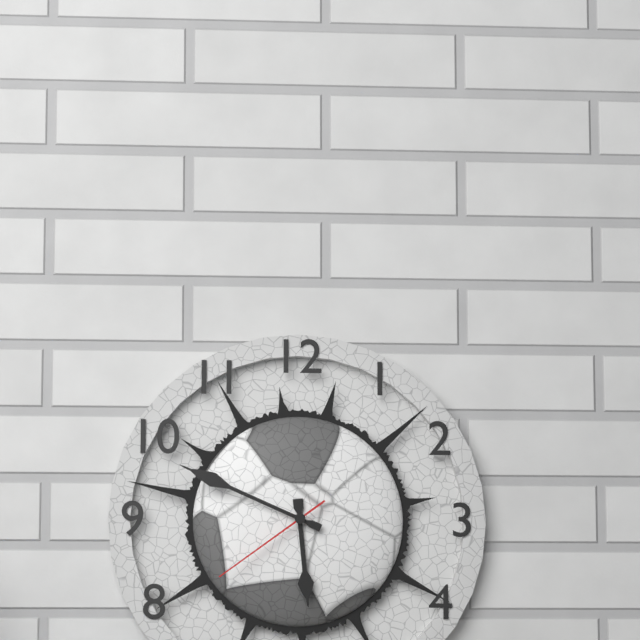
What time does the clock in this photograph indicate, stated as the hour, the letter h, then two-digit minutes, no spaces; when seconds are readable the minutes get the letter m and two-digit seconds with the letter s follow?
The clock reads 5h49m39s
